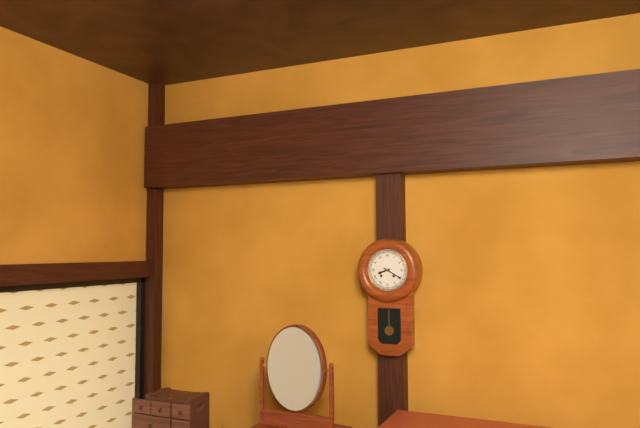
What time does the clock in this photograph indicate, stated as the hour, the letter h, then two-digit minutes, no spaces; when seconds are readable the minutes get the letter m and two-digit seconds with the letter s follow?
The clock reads 8h20
